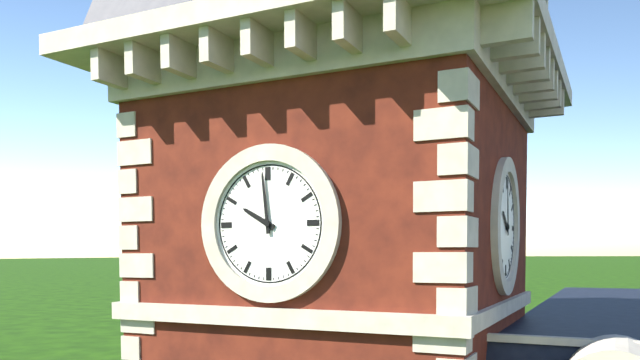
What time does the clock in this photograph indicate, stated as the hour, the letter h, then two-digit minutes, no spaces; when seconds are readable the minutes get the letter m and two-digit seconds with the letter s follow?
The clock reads 9h59
